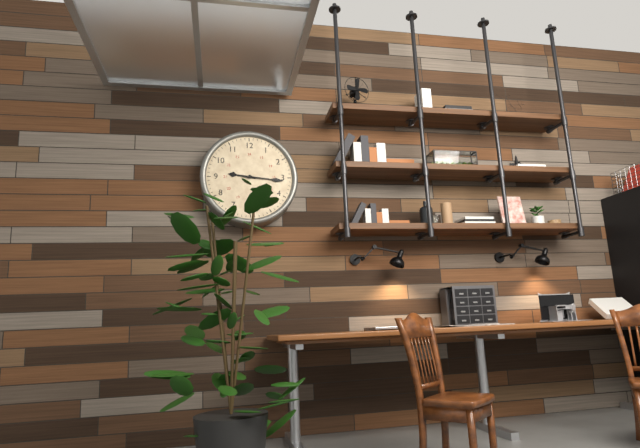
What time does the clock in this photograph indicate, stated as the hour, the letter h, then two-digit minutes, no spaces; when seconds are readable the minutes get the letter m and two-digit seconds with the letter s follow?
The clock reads 9h16
